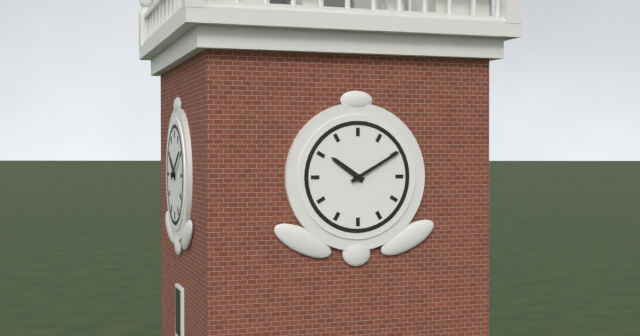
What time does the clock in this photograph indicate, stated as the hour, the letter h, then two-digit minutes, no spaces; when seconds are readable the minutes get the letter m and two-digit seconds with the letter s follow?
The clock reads 10h10
